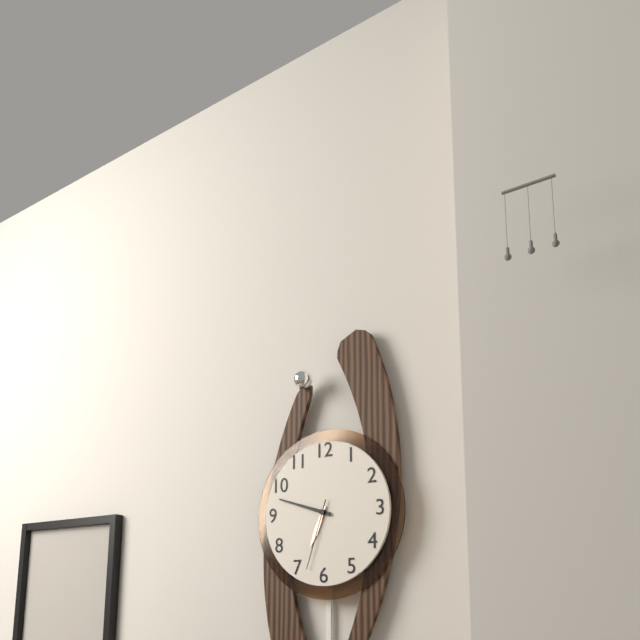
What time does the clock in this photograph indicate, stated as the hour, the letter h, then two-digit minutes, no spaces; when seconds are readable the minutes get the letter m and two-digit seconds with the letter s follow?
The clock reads 6h48m33s
